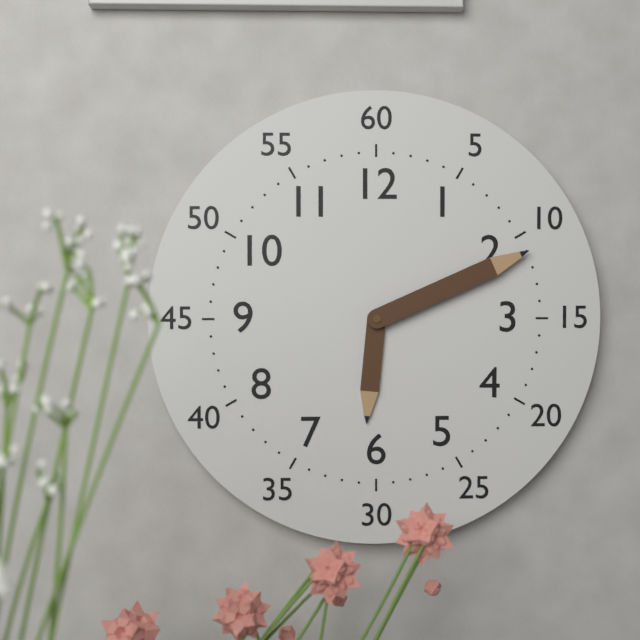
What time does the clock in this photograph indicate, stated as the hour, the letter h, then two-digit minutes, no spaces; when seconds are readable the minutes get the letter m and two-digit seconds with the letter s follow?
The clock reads 6h11
